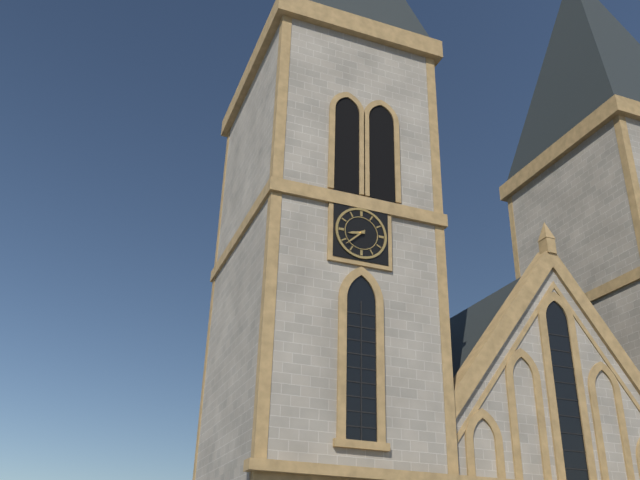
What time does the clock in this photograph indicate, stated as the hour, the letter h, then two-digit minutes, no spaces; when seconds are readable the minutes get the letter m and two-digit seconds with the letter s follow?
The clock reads 8h38
